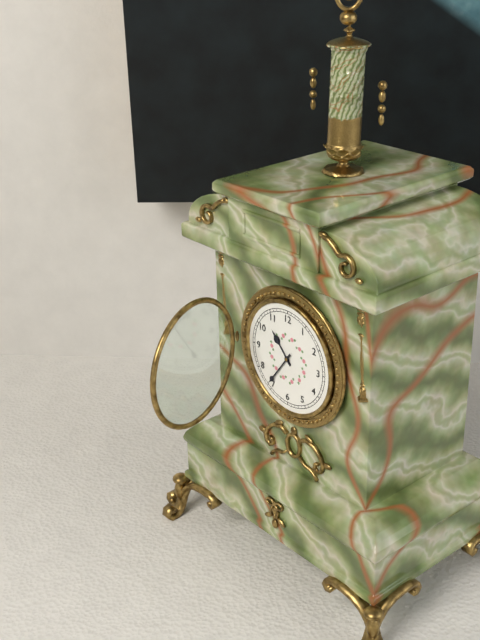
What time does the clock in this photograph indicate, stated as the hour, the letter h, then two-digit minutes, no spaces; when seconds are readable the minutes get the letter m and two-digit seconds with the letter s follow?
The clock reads 10h36
